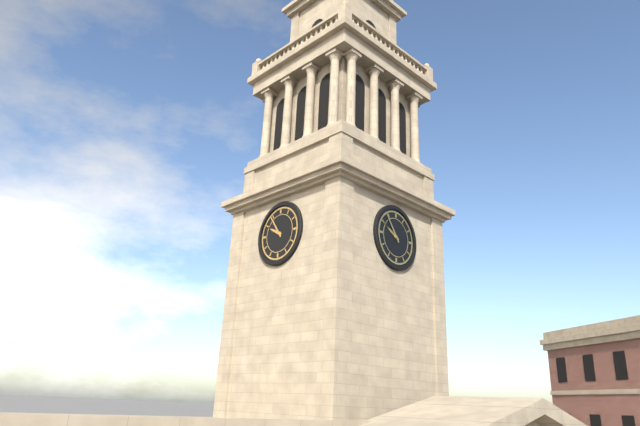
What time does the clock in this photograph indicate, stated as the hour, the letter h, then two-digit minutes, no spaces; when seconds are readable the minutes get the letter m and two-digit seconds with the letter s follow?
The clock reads 9h54
